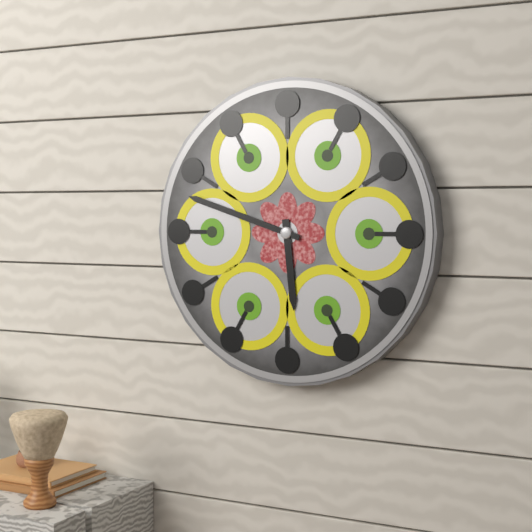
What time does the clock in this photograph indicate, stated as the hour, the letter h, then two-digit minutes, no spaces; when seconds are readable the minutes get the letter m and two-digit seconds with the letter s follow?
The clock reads 5h48
